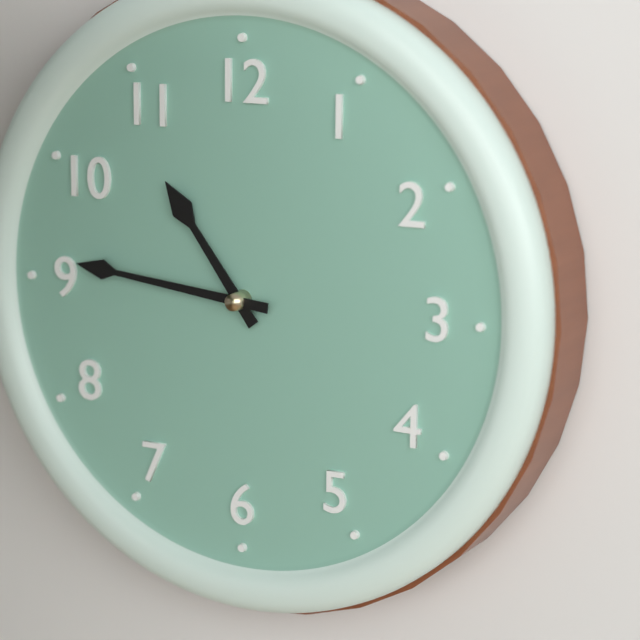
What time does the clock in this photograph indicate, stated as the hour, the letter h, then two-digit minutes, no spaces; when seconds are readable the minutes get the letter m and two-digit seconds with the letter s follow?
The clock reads 10h46
